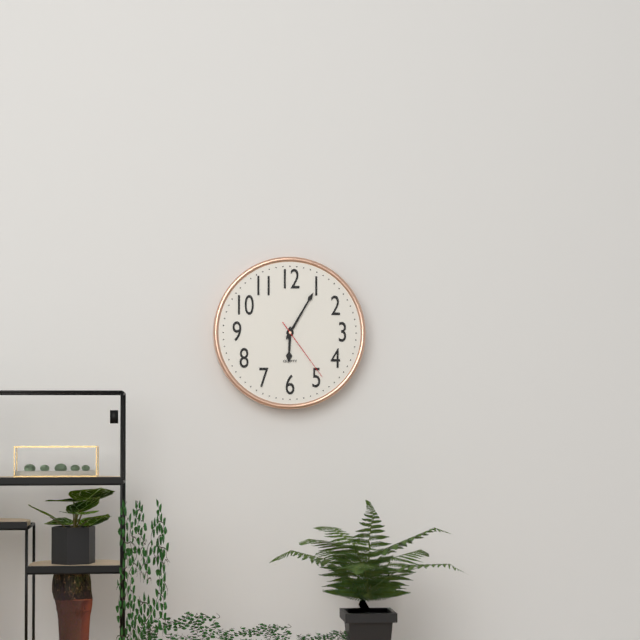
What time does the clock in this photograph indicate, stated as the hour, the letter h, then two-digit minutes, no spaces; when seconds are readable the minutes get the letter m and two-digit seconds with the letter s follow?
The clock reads 6h05m24s
